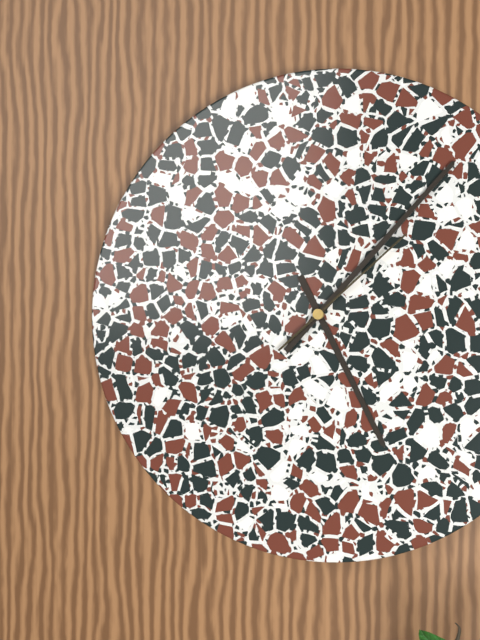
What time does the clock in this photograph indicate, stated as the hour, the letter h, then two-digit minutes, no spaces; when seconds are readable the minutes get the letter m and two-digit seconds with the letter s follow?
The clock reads 5h07m08s
